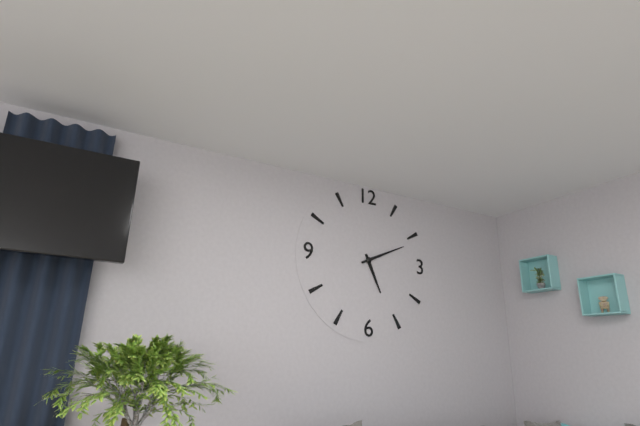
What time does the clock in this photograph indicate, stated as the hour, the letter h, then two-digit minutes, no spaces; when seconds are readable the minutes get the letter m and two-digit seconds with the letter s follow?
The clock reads 5h11
